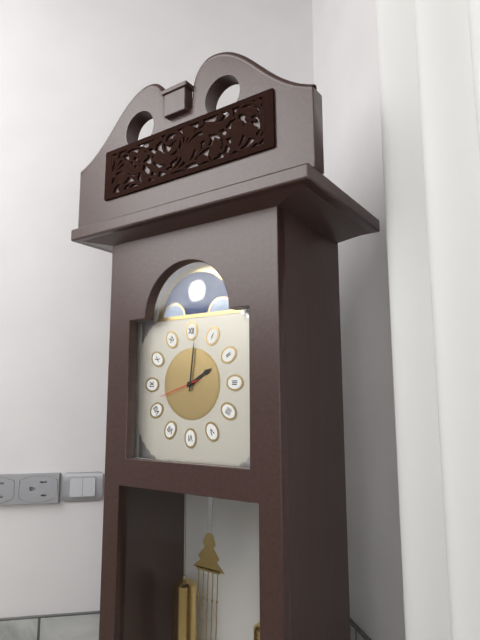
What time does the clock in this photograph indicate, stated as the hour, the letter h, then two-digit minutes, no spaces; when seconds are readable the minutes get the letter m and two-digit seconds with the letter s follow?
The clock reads 2h01
